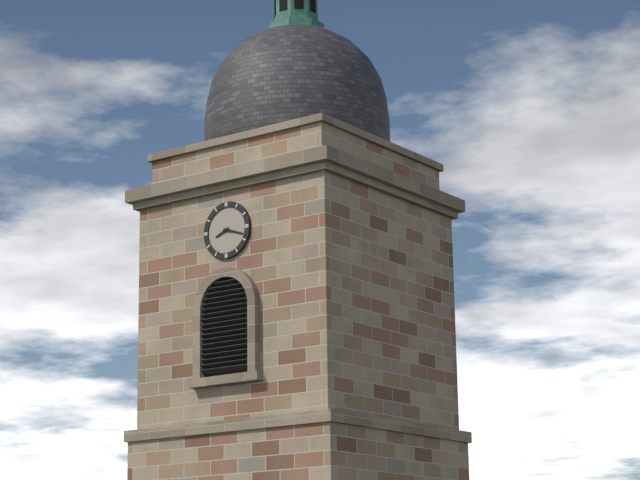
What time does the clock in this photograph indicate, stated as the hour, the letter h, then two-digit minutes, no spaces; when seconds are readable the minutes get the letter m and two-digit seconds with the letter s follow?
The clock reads 8h18
